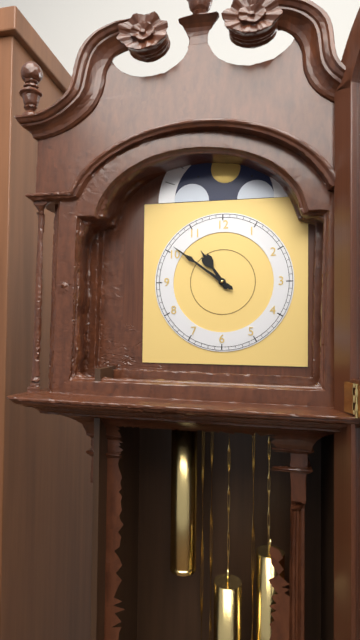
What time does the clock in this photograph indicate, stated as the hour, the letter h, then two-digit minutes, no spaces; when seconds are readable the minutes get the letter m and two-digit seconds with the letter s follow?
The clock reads 10h51
